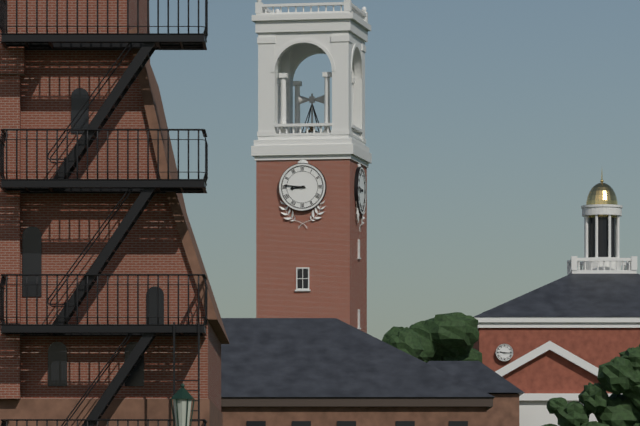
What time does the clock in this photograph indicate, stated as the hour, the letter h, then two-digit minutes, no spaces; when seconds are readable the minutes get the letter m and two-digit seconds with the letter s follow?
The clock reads 8h46
